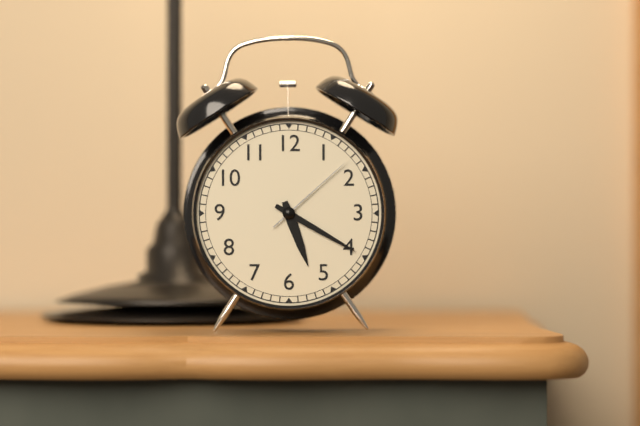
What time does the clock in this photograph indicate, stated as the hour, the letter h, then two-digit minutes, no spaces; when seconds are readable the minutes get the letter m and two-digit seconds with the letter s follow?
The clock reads 5h20m08s
